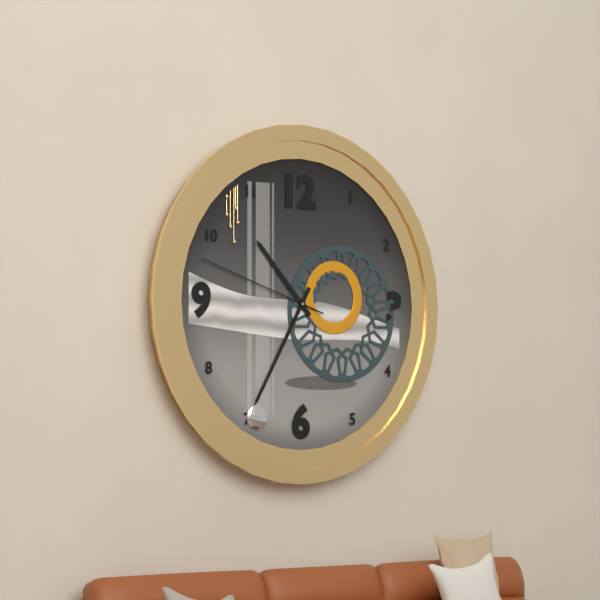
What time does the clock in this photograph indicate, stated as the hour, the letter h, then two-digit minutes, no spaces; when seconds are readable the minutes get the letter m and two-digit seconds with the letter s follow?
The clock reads 10h35m48s
